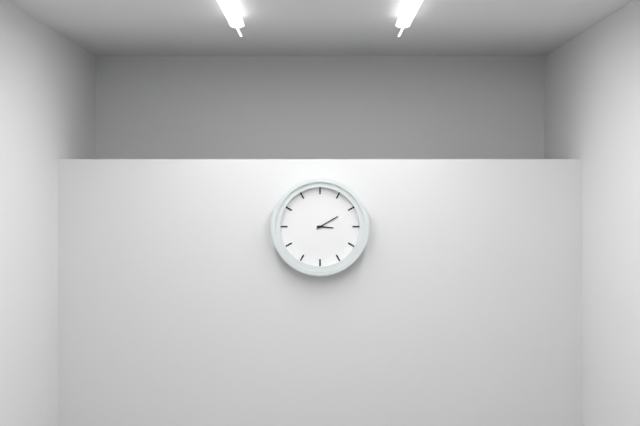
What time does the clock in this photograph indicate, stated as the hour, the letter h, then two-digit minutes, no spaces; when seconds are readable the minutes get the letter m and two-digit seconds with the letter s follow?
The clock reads 3h10
